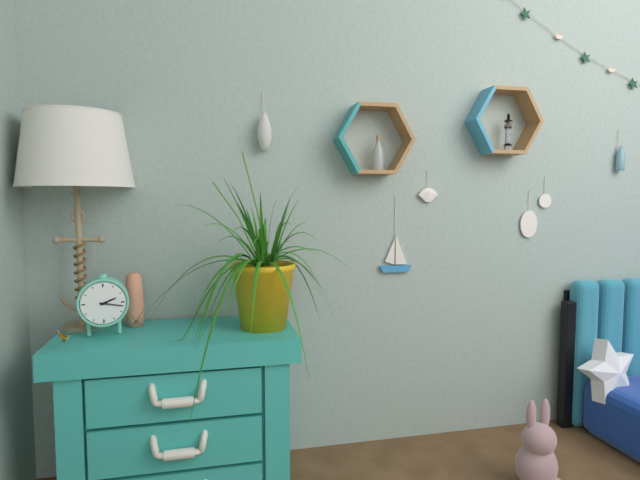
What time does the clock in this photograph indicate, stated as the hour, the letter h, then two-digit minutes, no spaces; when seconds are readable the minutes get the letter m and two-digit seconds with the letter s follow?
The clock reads 2h17
